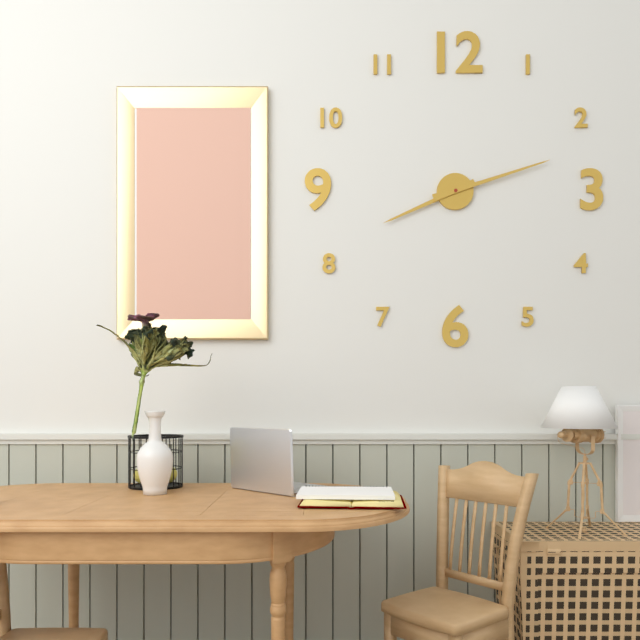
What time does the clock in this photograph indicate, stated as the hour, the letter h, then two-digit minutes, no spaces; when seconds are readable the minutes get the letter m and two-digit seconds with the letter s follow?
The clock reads 8h12
